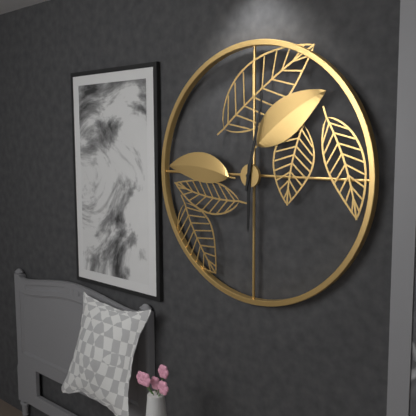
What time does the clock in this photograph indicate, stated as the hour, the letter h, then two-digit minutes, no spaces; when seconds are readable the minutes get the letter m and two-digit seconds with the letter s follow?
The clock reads 6h02
